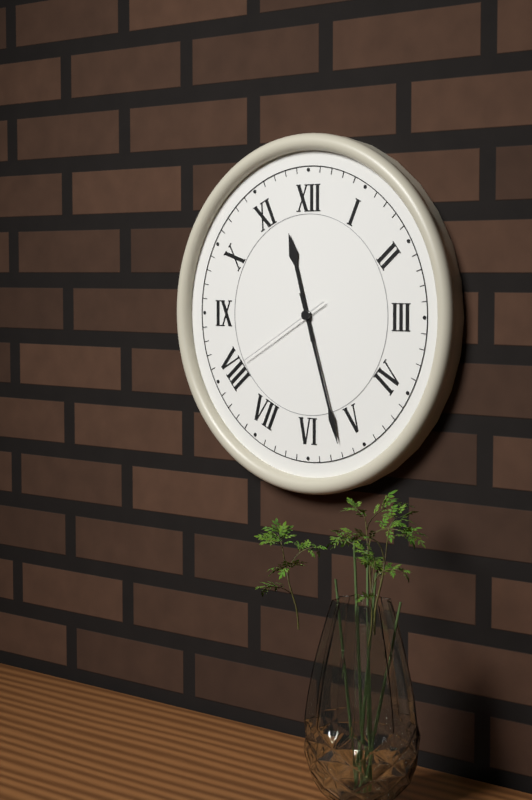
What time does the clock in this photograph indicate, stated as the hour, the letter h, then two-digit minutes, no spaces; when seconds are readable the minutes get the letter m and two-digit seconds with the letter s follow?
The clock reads 11h27m40s
